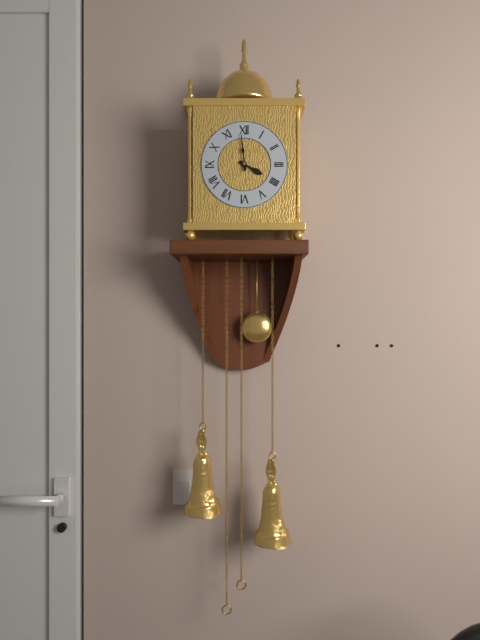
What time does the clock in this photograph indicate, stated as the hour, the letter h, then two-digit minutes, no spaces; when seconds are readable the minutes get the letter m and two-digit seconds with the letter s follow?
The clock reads 3h59
